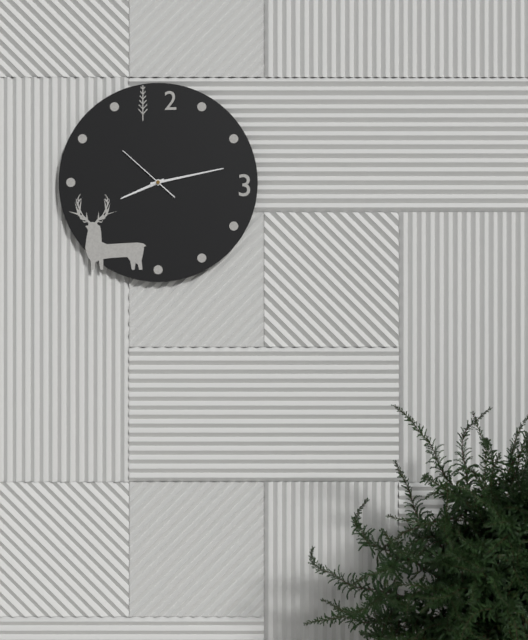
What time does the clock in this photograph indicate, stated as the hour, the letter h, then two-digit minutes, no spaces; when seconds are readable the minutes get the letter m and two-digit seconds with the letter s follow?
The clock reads 8h13m52s
